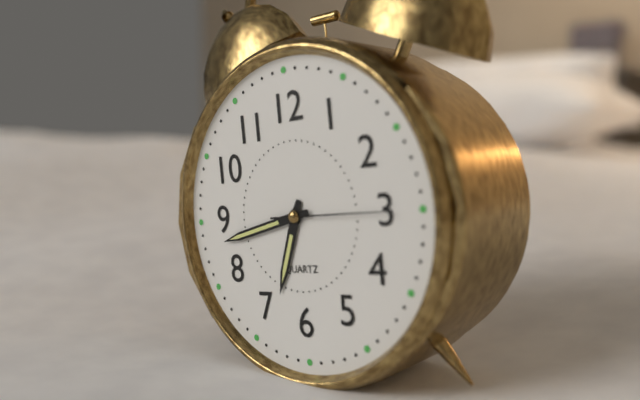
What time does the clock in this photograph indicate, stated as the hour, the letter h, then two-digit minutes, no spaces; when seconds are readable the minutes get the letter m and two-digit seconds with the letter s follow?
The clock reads 6h43m15s
